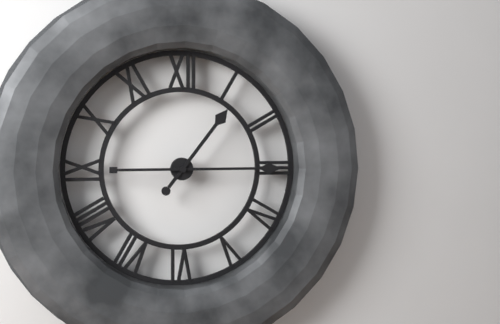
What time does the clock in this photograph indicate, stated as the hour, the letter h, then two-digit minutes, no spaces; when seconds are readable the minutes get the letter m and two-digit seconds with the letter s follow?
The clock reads 1h15
